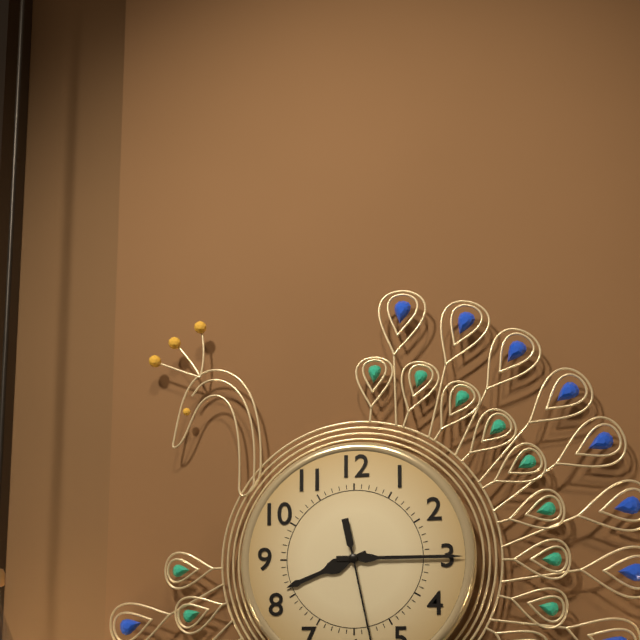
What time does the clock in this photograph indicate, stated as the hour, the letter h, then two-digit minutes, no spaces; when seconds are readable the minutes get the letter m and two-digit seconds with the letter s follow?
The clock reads 8h15
